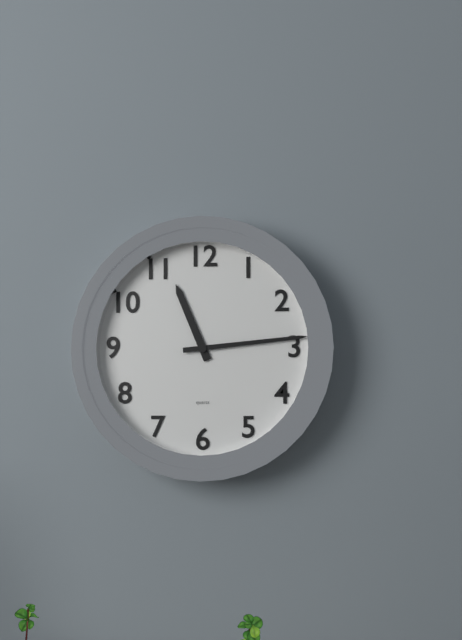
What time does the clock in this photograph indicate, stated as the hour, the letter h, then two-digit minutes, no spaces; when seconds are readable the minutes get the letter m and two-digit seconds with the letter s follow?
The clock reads 11h14
